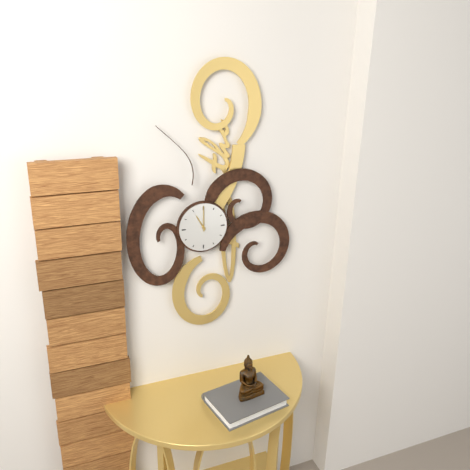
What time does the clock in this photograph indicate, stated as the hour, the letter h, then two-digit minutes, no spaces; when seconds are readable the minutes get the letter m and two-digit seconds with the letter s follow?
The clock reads 11h00
